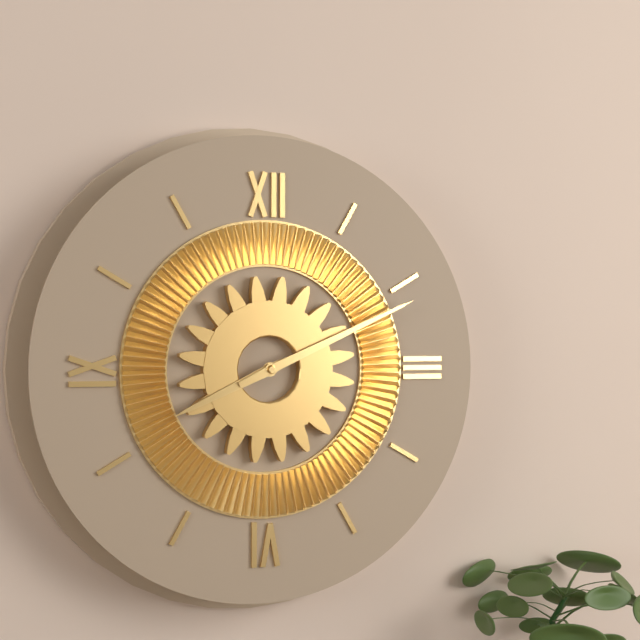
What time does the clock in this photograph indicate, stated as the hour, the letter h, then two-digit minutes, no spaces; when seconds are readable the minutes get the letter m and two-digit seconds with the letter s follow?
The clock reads 8h11
